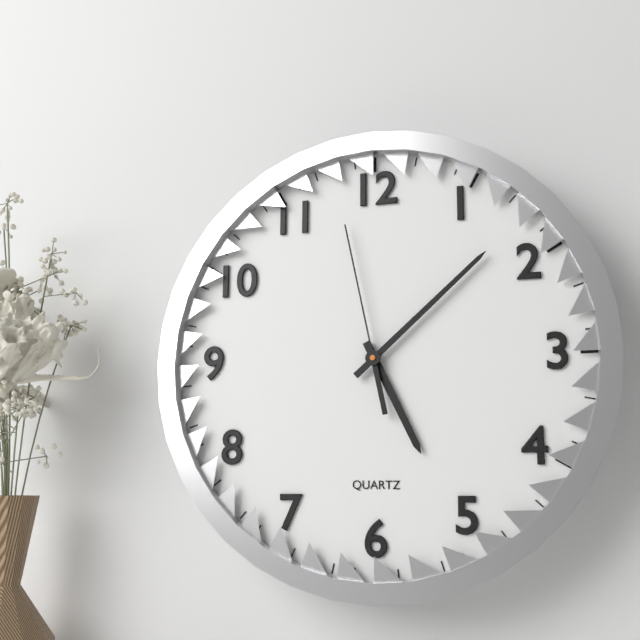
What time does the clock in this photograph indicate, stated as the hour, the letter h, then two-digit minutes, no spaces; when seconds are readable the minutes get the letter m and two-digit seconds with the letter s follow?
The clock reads 5h08m58s
